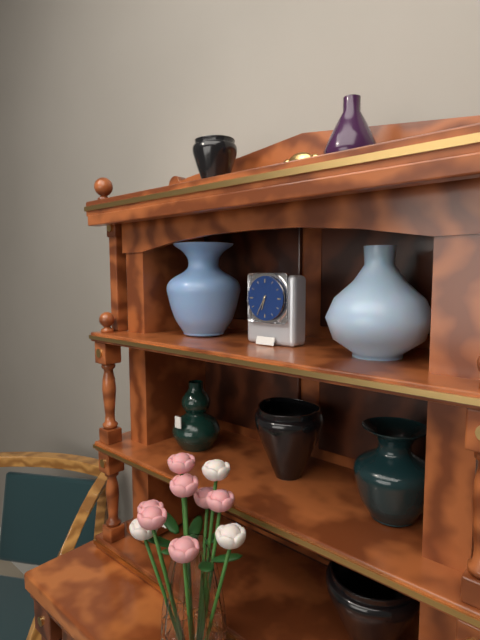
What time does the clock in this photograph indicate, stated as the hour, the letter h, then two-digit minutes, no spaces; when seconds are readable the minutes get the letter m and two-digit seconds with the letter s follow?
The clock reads 6h35
